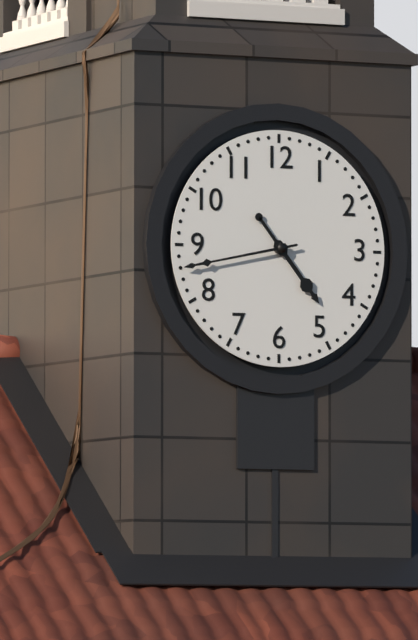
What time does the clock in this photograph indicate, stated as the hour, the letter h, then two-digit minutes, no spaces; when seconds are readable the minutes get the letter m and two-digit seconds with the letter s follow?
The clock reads 4h43
